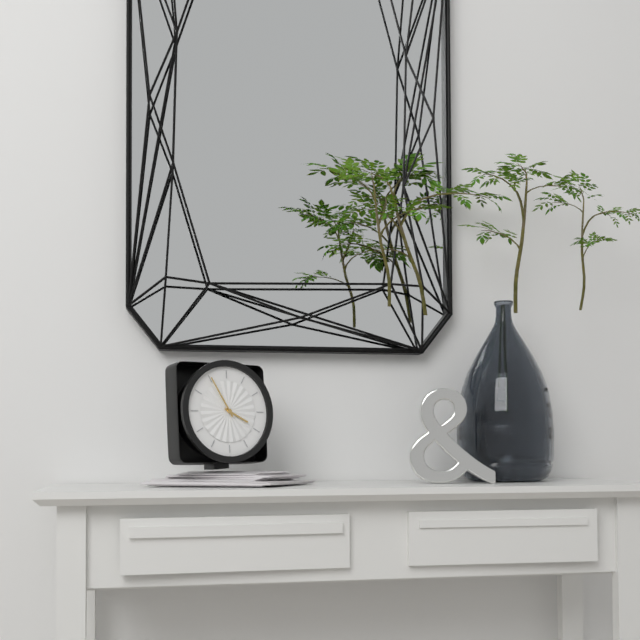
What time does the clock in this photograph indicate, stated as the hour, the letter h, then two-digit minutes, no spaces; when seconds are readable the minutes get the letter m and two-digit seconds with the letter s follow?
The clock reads 3h55
